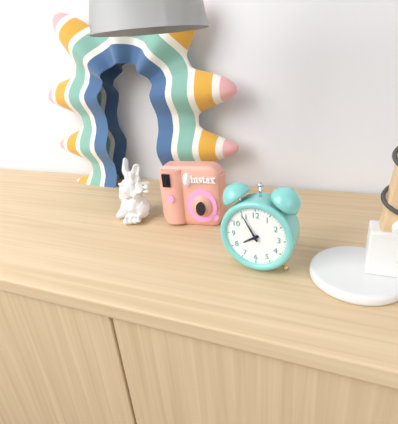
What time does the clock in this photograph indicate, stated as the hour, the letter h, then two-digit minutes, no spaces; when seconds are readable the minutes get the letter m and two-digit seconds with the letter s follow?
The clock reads 7h55
